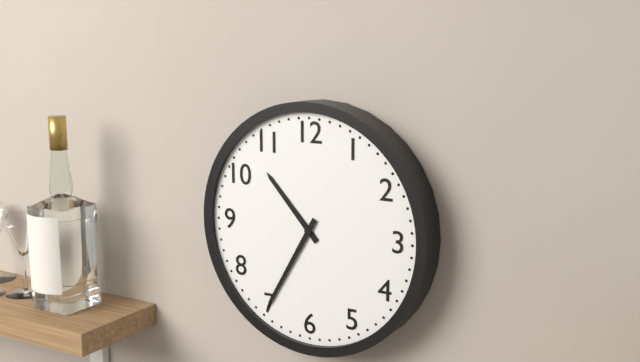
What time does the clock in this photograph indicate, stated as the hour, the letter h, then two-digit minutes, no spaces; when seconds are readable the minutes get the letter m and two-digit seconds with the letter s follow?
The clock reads 10h35
